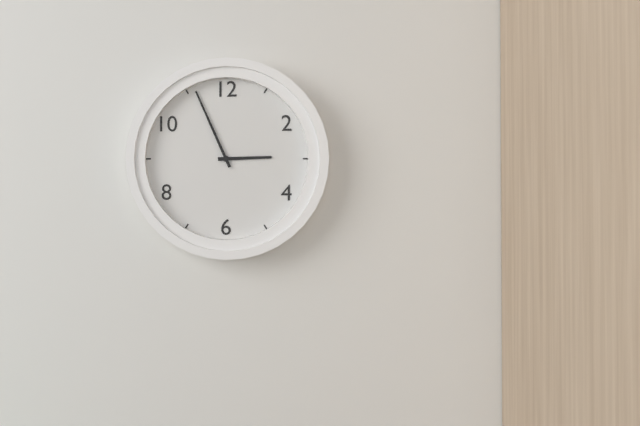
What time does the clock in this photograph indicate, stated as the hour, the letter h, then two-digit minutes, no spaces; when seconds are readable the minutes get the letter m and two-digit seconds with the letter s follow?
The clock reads 2h56
